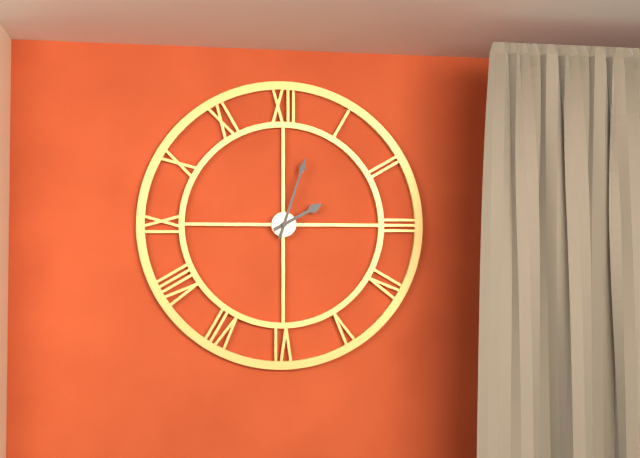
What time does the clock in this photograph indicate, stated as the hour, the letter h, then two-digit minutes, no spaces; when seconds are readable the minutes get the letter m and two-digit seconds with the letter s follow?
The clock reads 2h03
